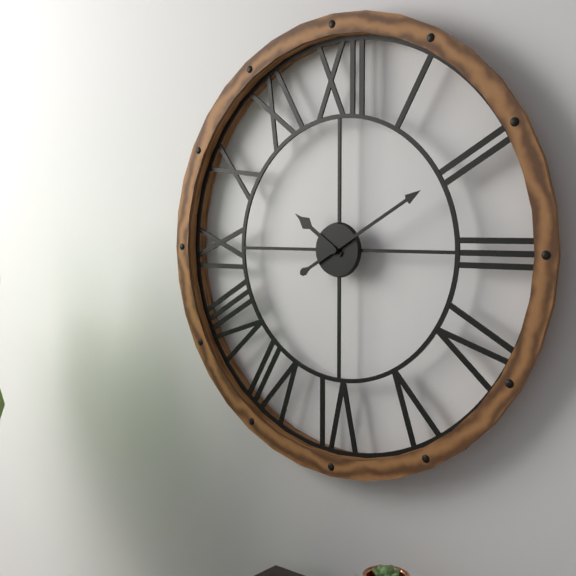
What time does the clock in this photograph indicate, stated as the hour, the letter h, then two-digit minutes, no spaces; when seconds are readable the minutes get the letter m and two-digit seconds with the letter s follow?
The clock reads 10h10
